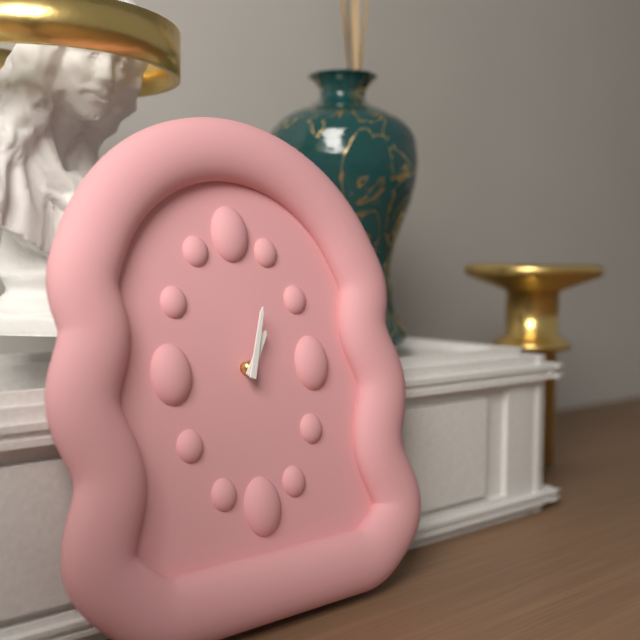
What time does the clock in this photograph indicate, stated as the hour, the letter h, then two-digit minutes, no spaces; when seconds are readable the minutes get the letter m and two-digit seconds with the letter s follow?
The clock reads 1h03
